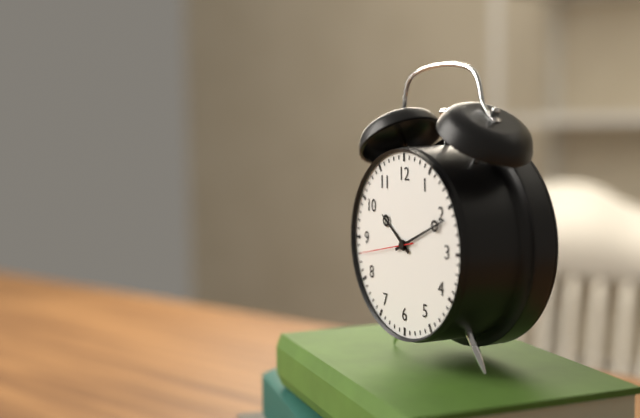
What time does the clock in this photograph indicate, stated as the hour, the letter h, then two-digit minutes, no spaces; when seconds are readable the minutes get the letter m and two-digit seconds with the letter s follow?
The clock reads 10h11m43s
